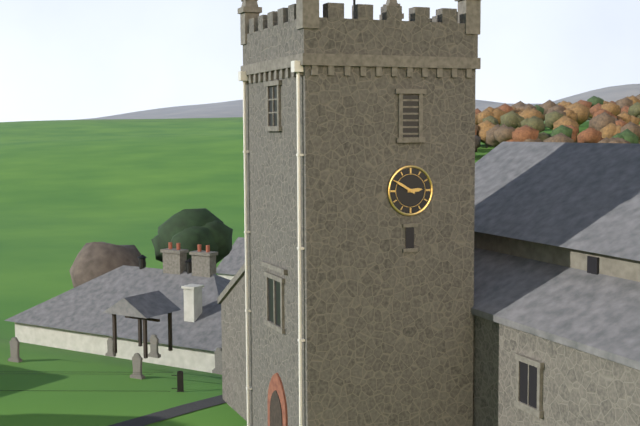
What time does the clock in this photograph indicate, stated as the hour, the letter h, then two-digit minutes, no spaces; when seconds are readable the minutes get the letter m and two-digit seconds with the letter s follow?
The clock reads 2h50
